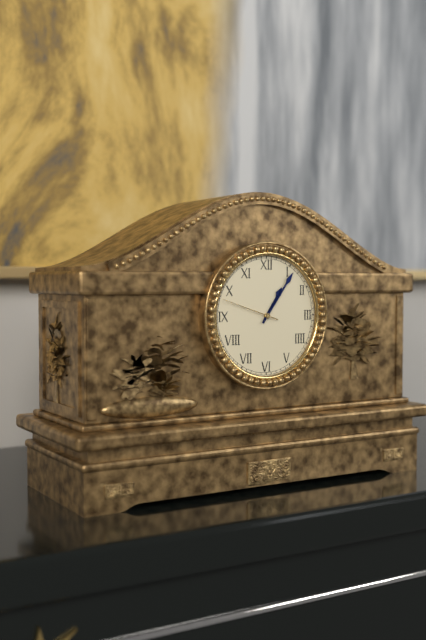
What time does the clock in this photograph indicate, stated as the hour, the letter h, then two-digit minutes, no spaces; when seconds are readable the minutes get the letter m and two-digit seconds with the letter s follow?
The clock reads 1h06m48s
